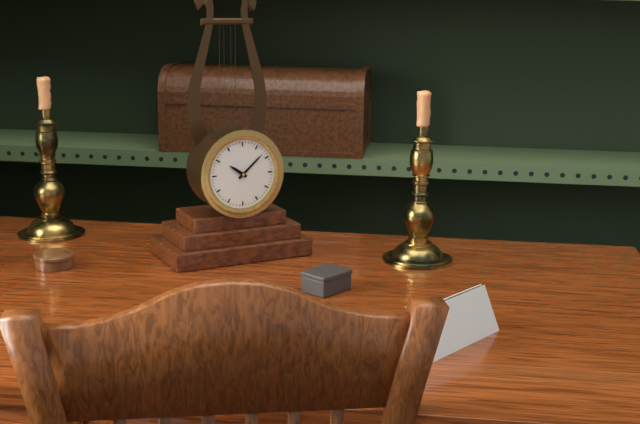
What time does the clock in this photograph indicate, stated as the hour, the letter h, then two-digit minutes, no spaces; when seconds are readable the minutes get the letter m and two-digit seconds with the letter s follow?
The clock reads 10h08
